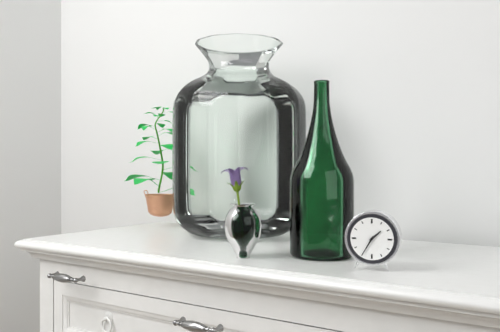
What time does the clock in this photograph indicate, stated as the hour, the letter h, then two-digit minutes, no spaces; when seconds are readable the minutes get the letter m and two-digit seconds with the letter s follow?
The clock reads 1h35
